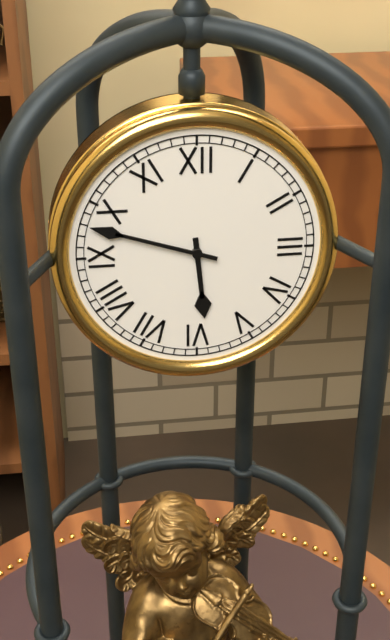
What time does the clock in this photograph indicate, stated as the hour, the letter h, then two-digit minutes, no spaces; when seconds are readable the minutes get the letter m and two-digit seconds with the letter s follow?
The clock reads 5h48
